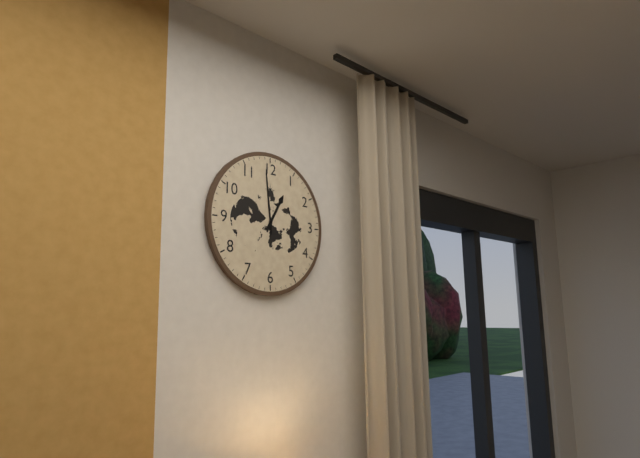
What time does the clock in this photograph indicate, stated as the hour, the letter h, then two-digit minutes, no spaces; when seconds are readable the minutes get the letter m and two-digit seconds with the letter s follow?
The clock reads 12h59
